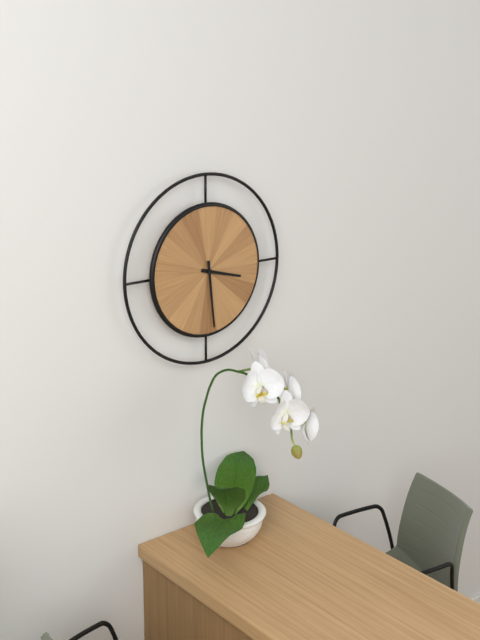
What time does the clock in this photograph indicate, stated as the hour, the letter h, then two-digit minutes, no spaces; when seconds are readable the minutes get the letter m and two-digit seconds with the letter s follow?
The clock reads 3h29
